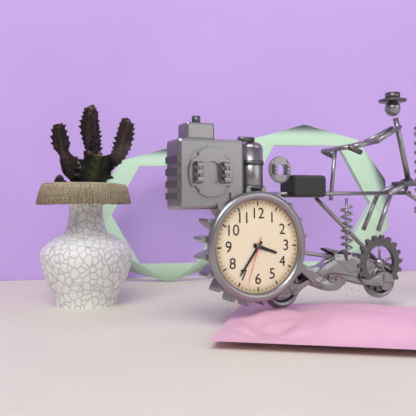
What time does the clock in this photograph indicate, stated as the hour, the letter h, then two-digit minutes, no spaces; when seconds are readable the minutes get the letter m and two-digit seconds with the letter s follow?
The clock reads 3h36m33s
